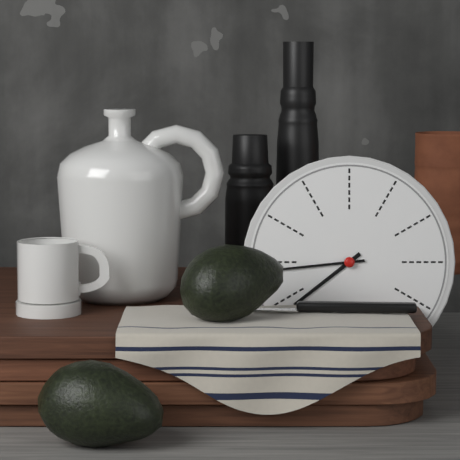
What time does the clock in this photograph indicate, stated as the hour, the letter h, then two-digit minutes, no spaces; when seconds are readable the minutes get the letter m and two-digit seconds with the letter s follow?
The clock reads 7h44
